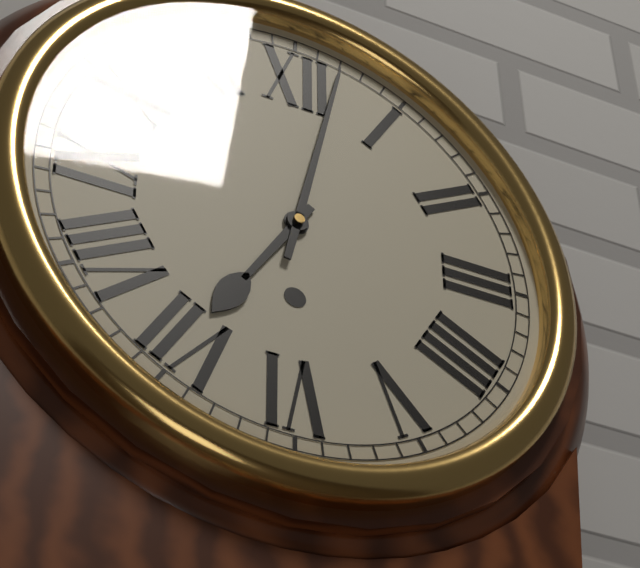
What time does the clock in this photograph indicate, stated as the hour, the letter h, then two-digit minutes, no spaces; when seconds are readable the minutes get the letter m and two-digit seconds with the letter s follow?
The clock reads 7h02
